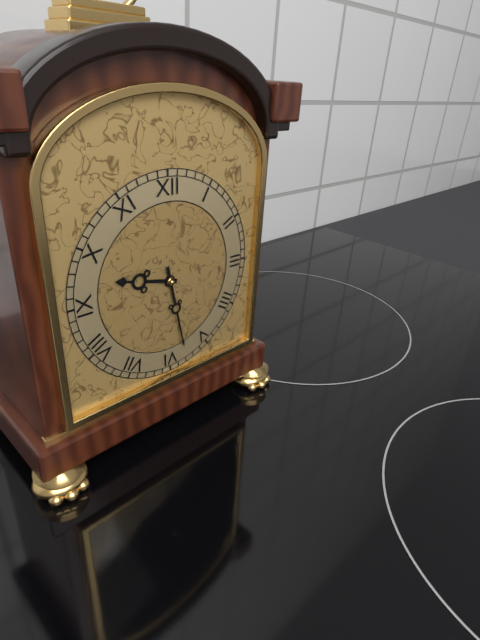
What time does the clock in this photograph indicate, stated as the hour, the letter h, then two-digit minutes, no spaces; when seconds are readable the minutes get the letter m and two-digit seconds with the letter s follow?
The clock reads 9h28
